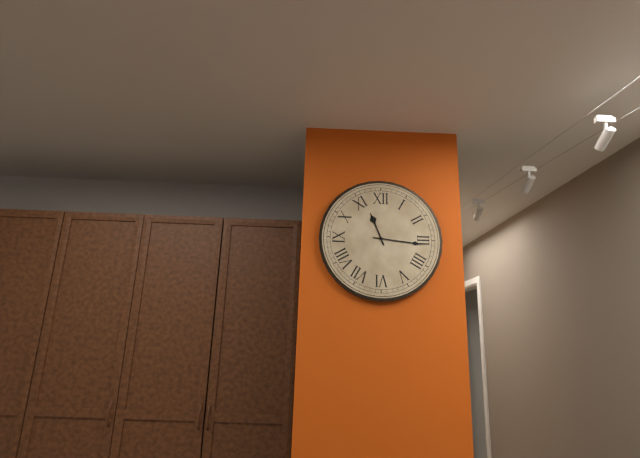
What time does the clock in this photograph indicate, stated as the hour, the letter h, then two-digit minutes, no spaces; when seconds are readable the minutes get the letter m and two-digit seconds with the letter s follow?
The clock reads 11h16
